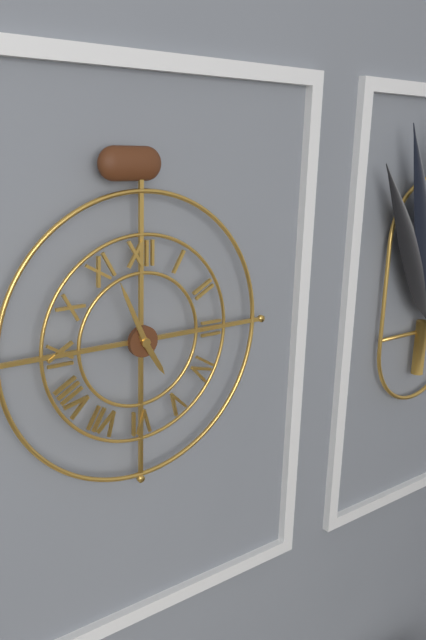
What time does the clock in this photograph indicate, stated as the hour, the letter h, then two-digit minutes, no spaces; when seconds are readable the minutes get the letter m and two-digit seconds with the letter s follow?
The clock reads 4h56
